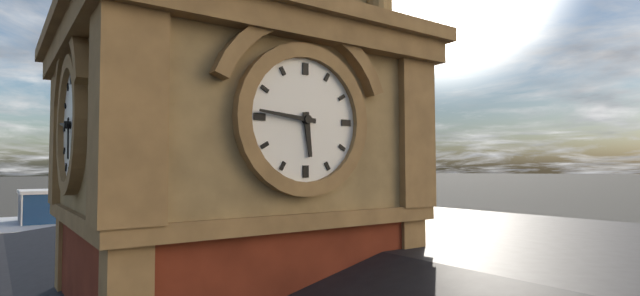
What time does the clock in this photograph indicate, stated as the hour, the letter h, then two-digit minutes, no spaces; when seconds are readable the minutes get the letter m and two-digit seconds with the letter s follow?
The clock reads 5h46
